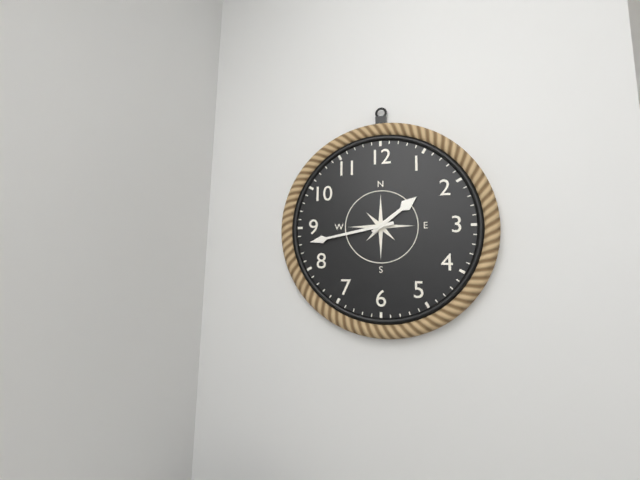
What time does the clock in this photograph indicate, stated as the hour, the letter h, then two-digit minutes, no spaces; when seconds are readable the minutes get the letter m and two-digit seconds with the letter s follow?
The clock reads 1h43
